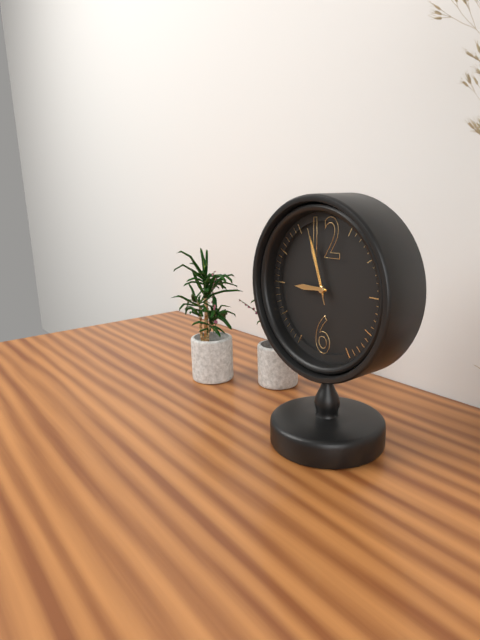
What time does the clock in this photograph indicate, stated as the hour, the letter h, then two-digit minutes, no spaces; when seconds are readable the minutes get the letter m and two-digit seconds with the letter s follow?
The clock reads 8h57m57s
